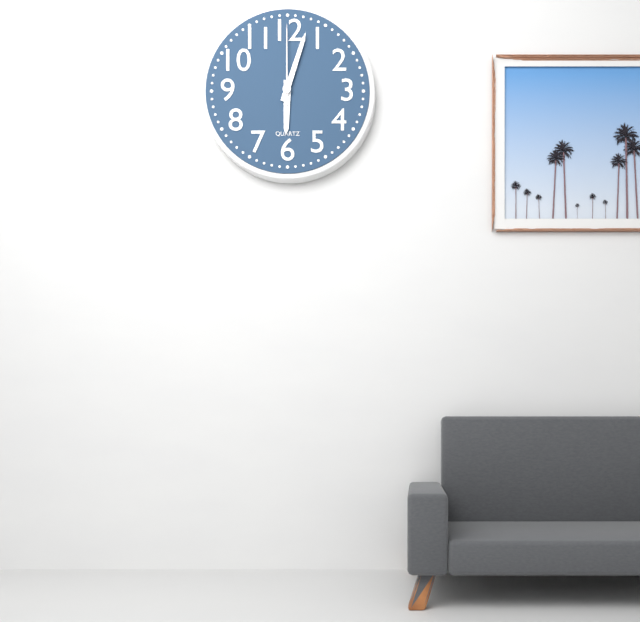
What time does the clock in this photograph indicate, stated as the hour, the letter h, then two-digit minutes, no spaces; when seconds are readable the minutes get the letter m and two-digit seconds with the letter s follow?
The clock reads 6h03m00s
